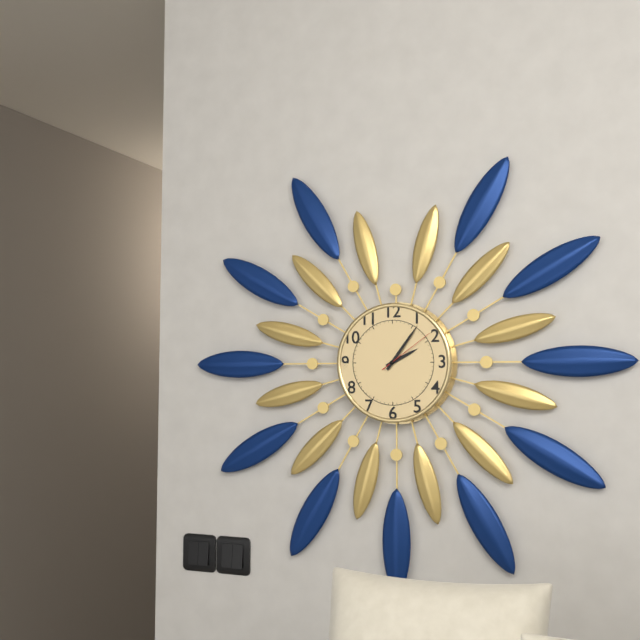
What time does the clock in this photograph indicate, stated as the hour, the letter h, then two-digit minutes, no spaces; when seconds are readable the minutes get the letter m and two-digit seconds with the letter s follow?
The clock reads 2h06m09s
